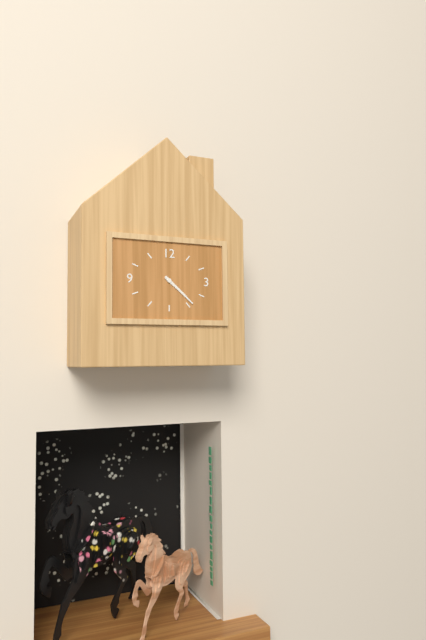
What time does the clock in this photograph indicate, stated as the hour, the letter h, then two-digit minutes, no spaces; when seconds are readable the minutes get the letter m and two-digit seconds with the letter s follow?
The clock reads 4h22
